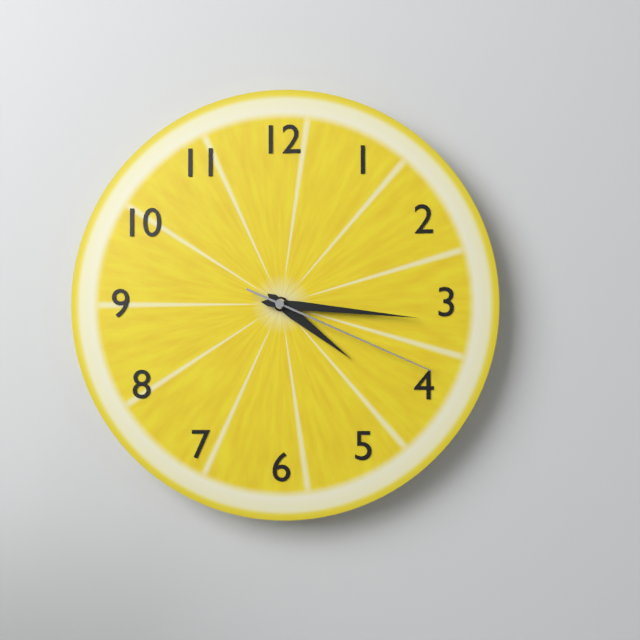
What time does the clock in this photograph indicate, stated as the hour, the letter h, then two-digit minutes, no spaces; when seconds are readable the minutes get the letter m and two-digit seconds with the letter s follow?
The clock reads 4h16m19s
